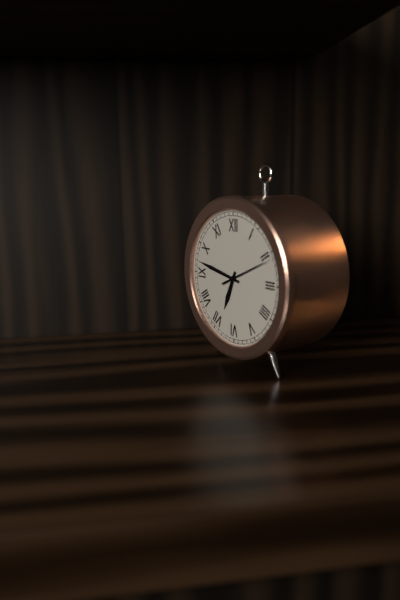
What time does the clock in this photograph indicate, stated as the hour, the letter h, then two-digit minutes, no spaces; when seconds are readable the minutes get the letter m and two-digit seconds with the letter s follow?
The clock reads 6h47
